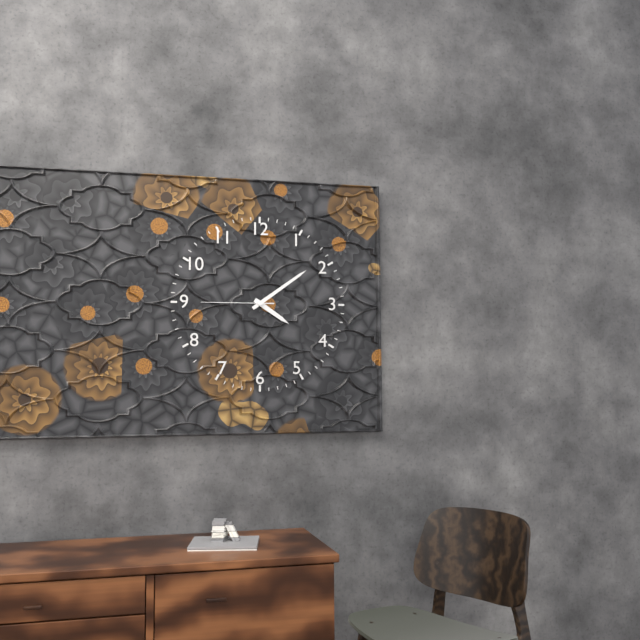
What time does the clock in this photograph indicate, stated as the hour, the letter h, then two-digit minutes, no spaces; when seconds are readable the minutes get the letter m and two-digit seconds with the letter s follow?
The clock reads 4h09m45s
